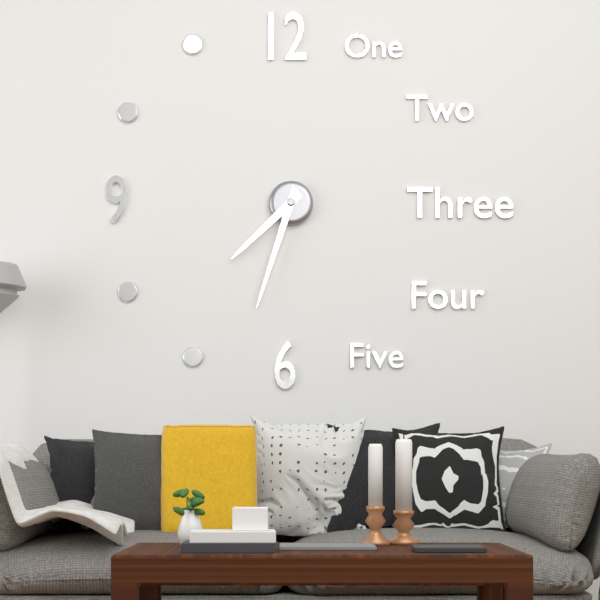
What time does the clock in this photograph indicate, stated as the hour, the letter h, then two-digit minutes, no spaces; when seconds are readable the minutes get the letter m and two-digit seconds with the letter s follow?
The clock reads 7h33
